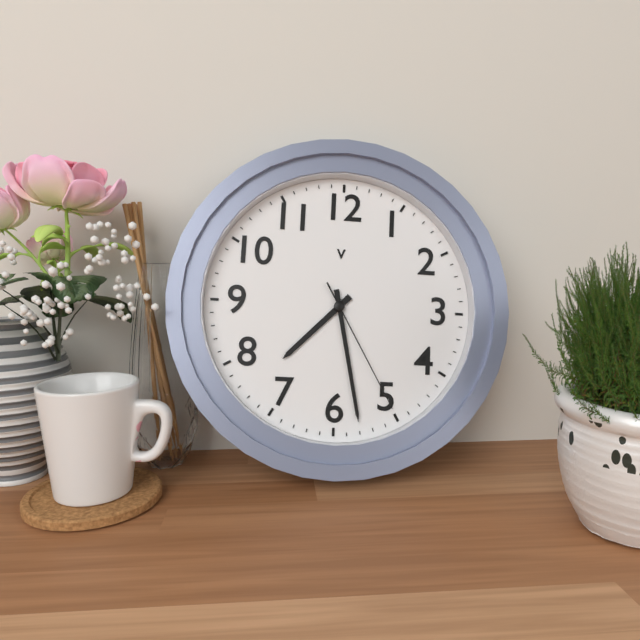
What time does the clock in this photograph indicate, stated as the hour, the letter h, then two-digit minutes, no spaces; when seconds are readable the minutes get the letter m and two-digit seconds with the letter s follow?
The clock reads 7h28m25s
